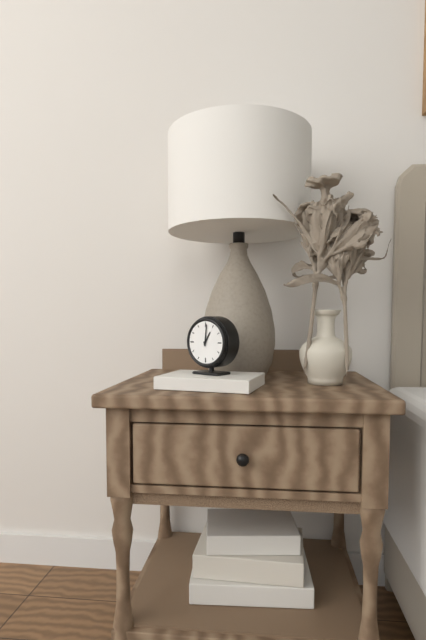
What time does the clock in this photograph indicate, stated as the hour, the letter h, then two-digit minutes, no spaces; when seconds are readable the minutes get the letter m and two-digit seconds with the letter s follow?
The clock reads 1h01
